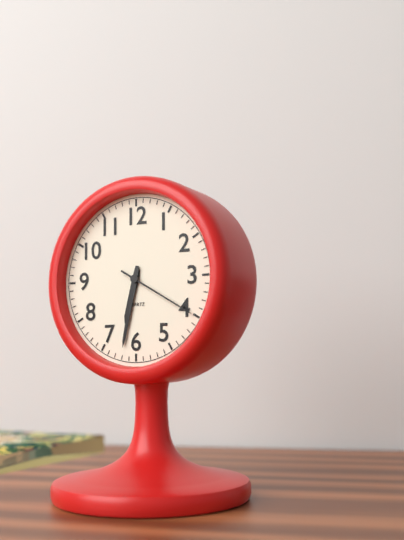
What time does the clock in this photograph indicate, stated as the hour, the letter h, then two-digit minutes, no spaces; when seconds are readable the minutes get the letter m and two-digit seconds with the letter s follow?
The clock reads 6h32m20s
